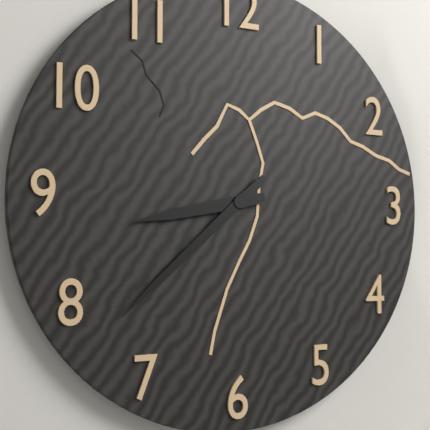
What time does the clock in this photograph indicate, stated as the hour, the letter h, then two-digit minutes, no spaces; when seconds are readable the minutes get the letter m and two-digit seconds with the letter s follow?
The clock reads 8h38
